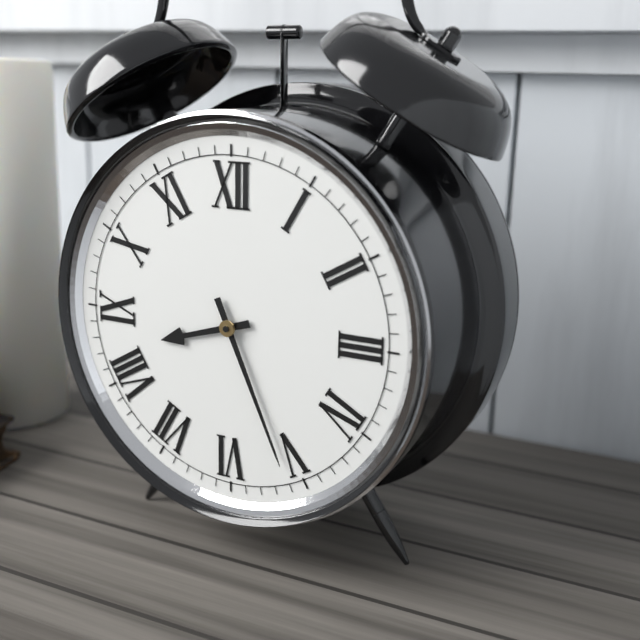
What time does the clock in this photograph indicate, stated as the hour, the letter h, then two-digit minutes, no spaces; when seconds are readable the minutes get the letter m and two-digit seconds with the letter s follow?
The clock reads 8h26
